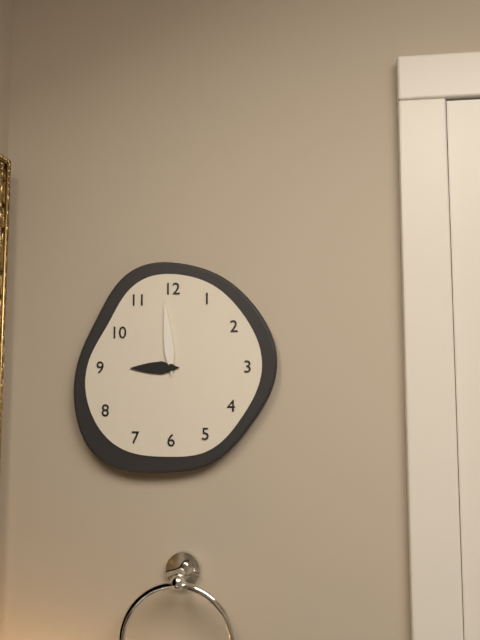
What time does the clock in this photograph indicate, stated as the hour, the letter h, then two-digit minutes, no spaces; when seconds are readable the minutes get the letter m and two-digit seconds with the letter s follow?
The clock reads 8h59
